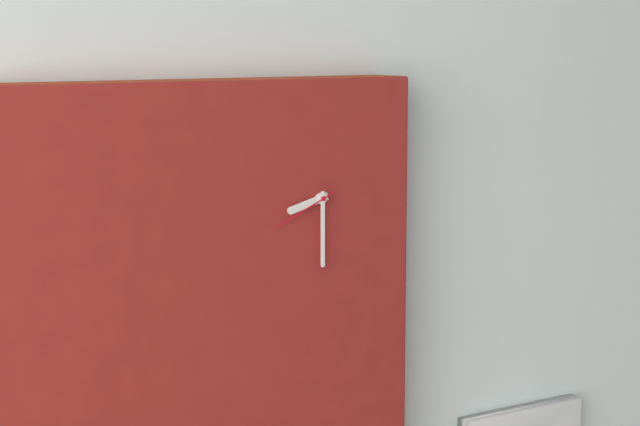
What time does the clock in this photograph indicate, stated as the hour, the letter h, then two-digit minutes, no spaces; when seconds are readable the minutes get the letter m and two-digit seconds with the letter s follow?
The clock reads 8h30m41s
